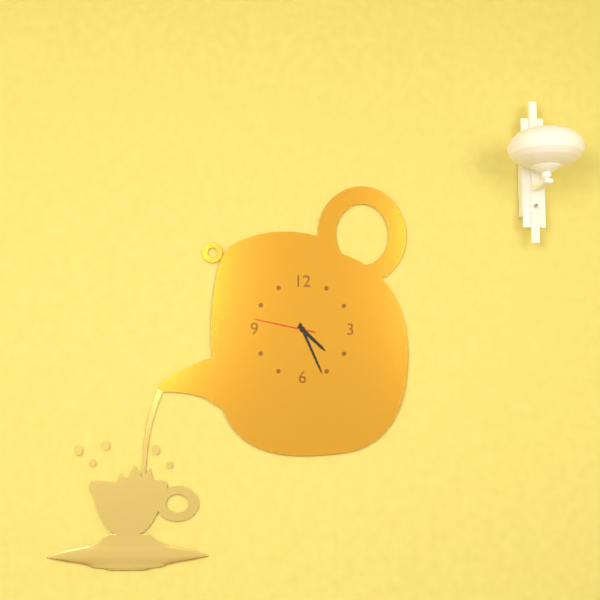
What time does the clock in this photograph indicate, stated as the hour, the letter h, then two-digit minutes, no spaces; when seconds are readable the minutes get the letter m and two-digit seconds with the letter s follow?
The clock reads 4h26m47s
